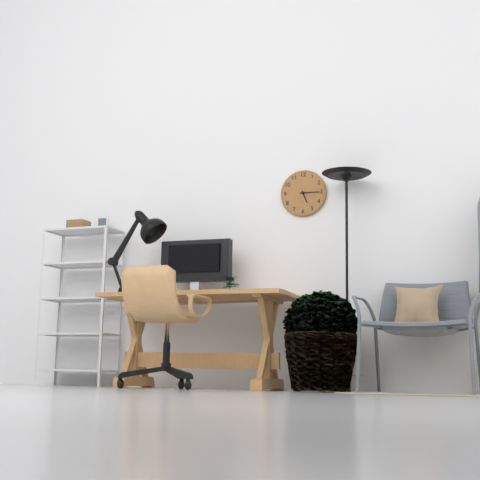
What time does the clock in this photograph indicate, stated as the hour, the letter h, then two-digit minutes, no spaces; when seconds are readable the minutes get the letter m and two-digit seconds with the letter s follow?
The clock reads 5h15
